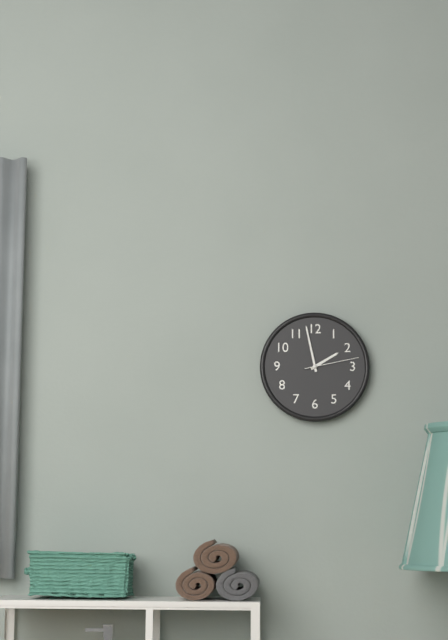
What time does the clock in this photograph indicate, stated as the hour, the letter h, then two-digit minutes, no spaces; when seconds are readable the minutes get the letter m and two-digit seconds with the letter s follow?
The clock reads 1h58m13s
